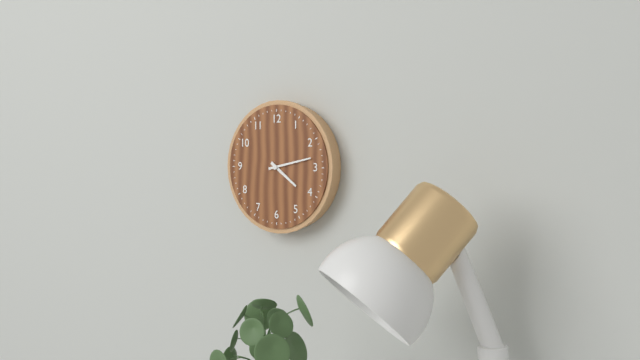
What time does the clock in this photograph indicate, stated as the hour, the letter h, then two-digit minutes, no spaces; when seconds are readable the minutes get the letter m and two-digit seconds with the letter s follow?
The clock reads 4h13
